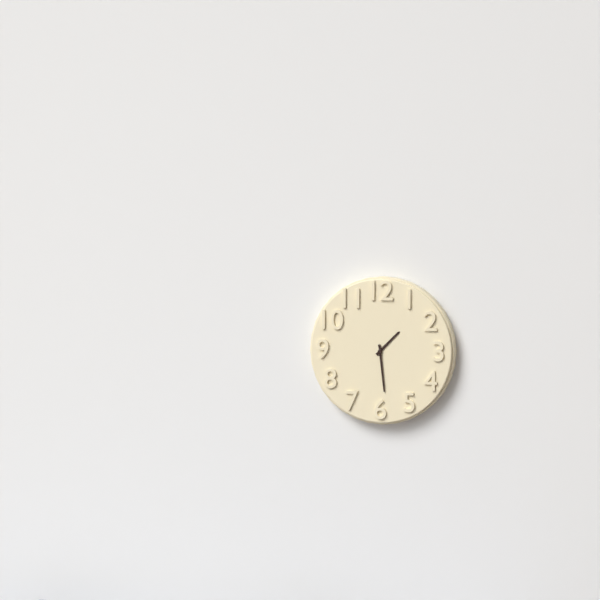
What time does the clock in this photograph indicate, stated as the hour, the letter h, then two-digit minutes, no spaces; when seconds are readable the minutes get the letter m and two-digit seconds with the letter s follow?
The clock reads 1h29
